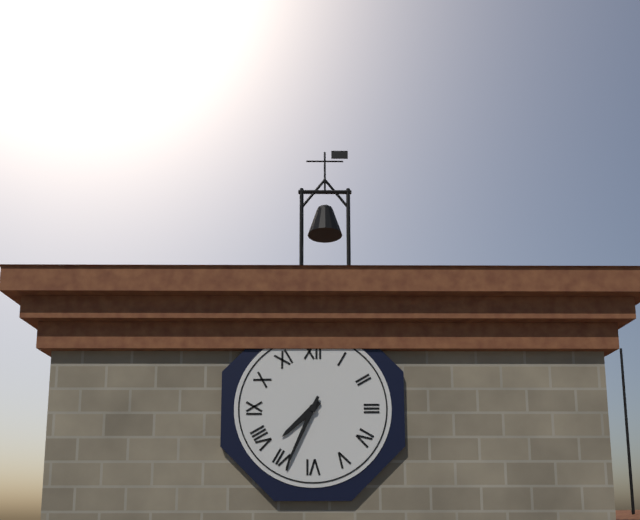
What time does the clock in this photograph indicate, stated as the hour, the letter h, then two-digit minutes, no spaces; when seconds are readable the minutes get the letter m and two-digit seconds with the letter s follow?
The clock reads 7h34
